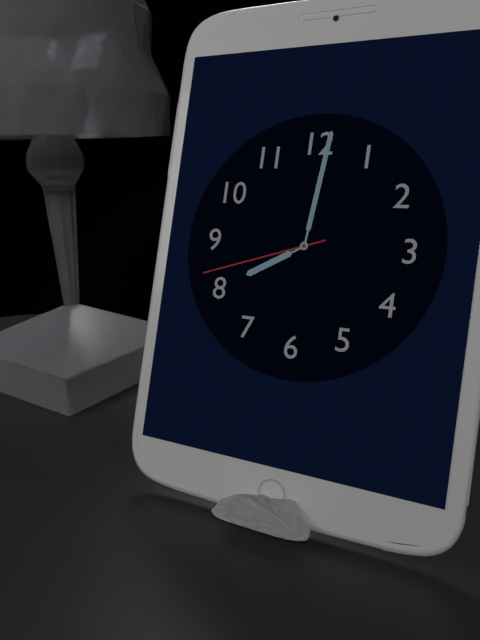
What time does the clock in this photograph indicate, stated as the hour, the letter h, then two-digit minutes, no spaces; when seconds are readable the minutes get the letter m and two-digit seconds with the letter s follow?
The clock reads 8h01m42s
